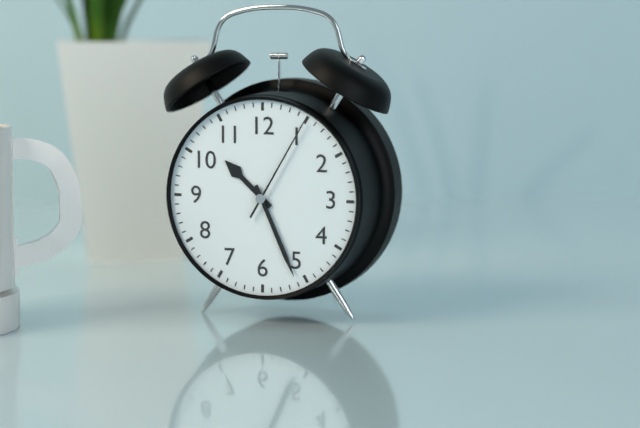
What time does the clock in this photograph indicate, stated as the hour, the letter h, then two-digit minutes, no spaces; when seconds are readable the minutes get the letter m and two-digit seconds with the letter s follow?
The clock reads 10h26m05s
